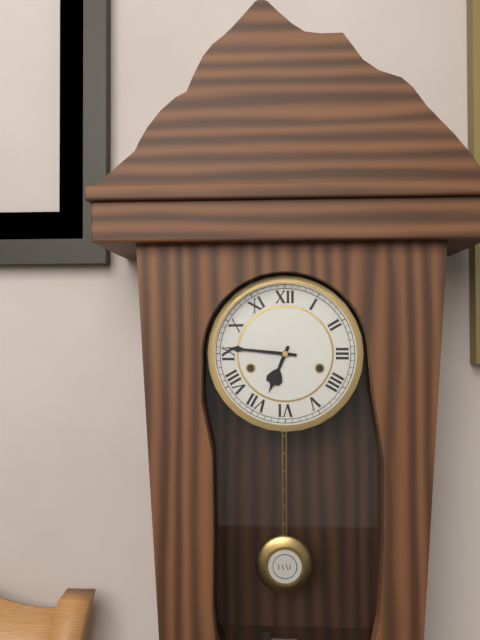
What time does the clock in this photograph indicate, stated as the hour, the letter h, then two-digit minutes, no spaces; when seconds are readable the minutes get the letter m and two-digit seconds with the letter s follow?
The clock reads 6h46
